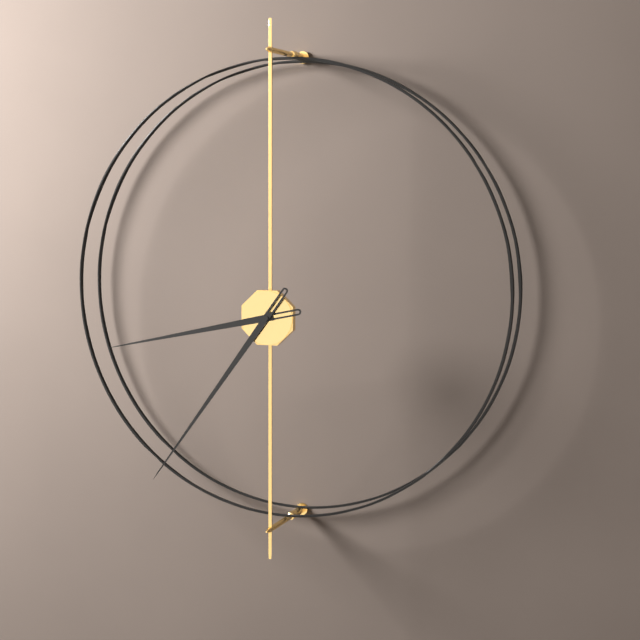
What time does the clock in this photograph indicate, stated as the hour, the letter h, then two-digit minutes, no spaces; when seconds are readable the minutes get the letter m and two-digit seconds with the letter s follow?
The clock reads 8h36
